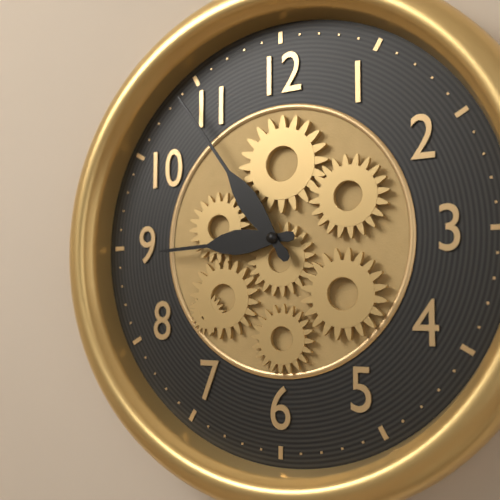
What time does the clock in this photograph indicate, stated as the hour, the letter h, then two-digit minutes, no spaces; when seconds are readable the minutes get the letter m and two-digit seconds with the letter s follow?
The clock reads 8h54
